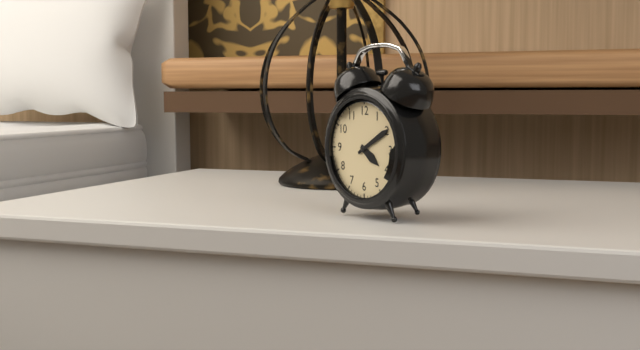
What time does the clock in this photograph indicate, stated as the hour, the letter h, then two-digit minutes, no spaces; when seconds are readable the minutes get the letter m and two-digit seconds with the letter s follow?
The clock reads 4h10
